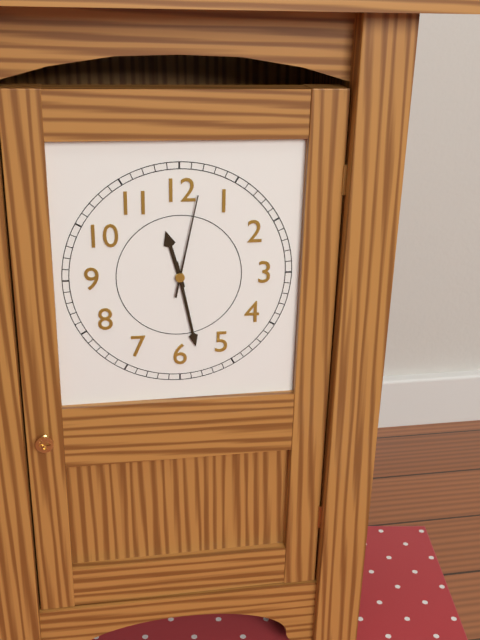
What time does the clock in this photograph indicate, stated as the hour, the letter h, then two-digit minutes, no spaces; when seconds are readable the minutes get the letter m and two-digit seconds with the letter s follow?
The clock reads 11h28m02s
